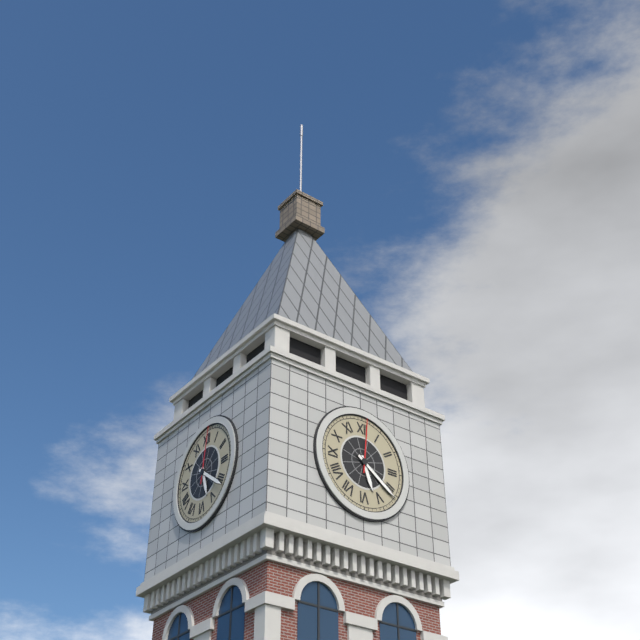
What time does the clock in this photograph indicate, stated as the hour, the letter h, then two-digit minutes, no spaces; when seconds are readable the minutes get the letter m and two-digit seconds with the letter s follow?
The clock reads 5h21m01s
